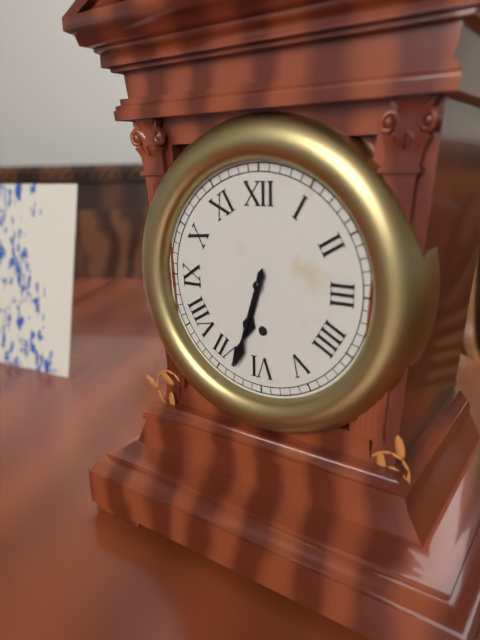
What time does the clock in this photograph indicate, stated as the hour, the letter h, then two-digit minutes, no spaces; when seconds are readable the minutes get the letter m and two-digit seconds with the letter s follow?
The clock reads 6h33
